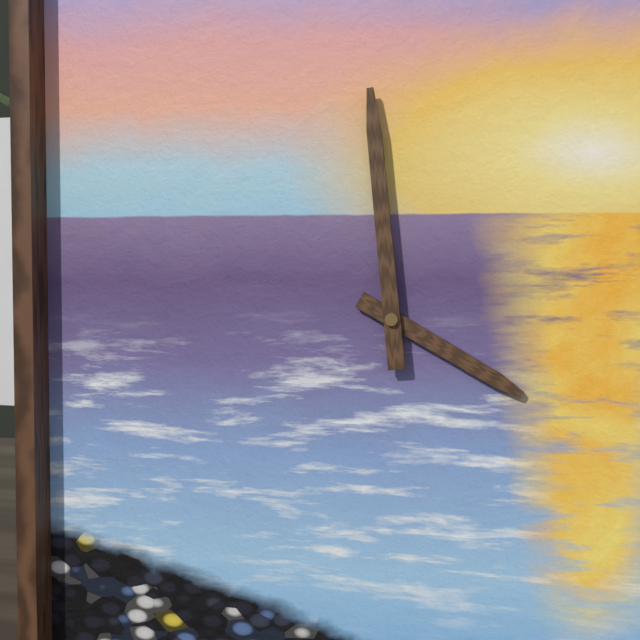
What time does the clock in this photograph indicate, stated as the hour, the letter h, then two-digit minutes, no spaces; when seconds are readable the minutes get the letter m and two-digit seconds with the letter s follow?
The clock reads 3h59
